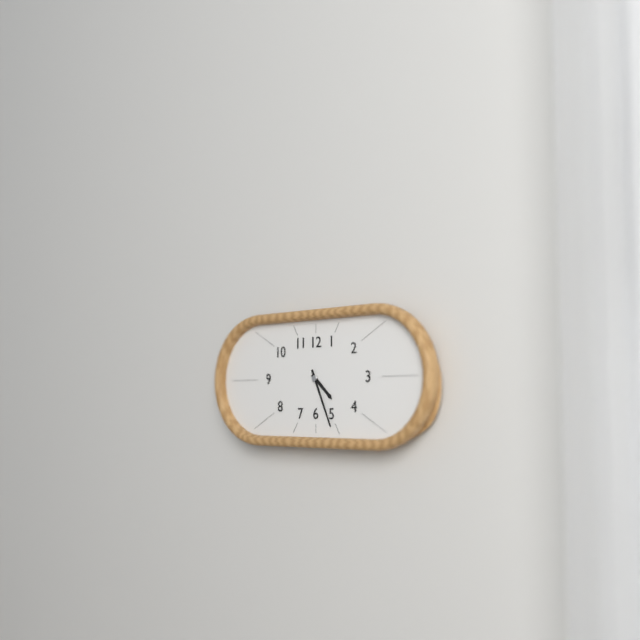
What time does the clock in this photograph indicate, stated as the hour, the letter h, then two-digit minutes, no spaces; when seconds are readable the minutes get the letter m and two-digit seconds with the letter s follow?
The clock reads 4h26
